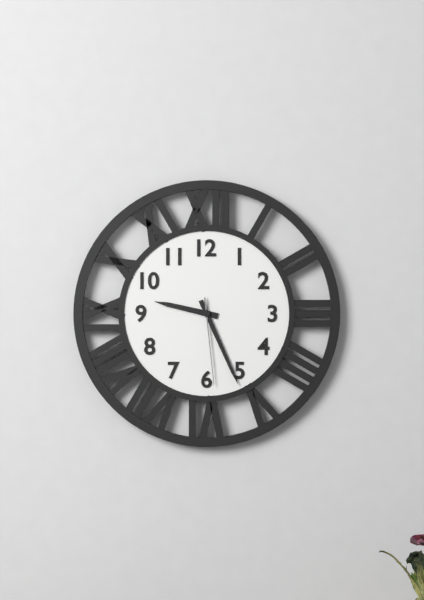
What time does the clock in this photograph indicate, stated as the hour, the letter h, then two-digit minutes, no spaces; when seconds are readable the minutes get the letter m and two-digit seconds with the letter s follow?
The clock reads 9h26m29s
